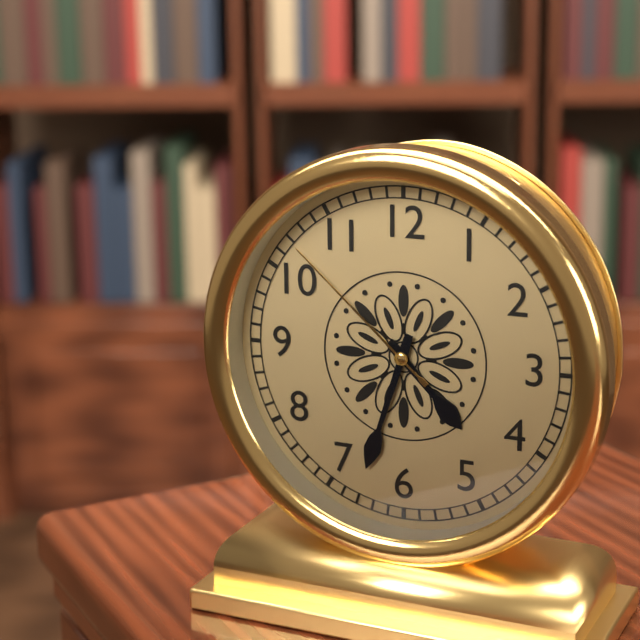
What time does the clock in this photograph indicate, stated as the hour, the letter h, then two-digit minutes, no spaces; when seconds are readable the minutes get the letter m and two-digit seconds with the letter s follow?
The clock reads 4h33m52s
